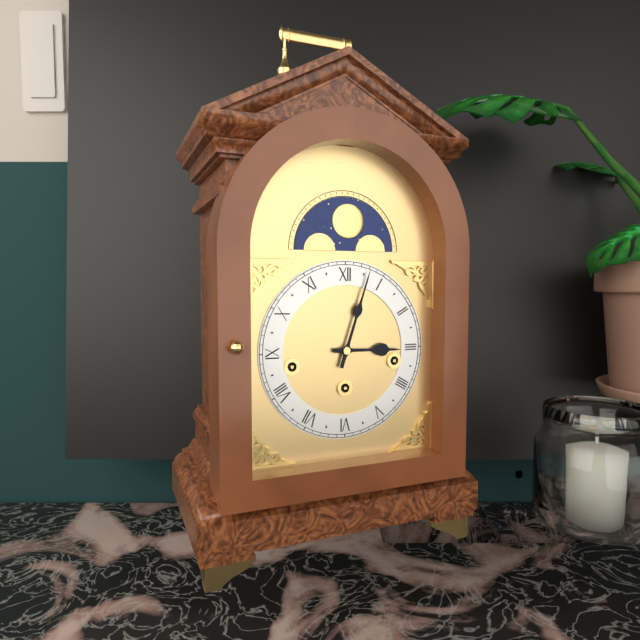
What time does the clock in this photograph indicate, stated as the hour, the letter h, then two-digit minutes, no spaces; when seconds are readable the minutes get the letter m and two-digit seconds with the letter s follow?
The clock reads 3h03
